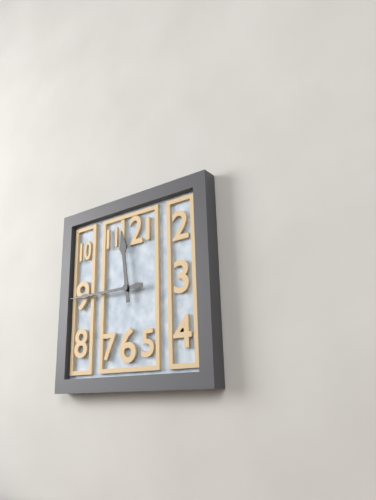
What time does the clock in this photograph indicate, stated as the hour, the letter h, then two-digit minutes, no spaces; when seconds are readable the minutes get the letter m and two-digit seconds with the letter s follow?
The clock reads 11h45
